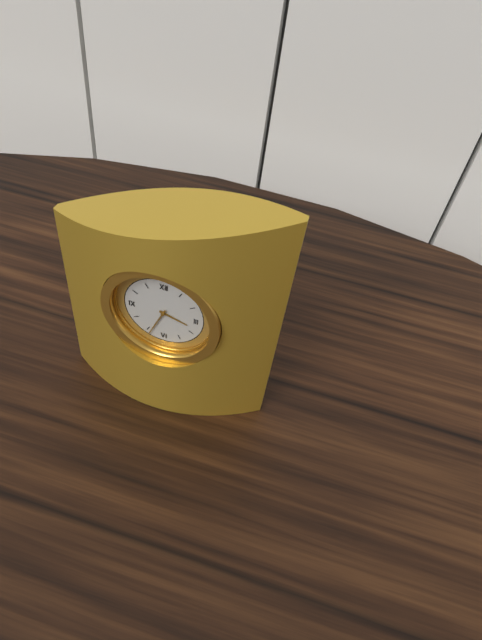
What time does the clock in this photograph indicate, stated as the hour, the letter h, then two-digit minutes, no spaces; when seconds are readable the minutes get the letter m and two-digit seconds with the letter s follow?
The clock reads 3h34
